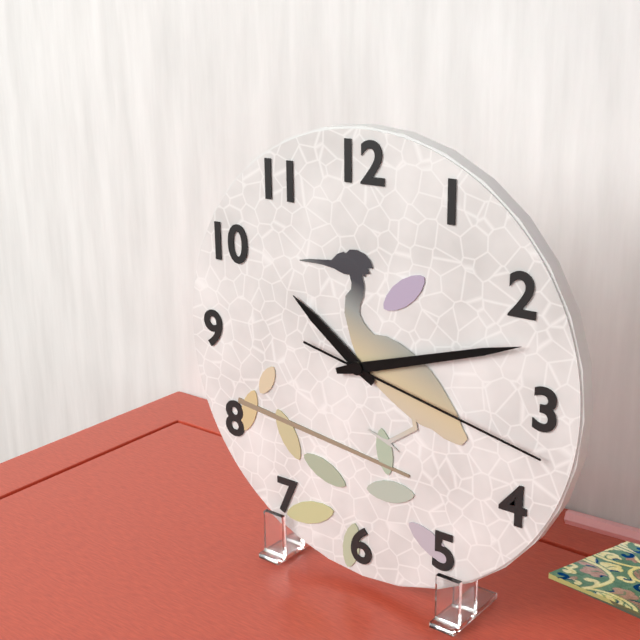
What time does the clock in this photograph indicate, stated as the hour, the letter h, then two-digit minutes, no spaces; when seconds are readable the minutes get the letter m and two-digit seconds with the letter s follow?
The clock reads 10h12m17s
